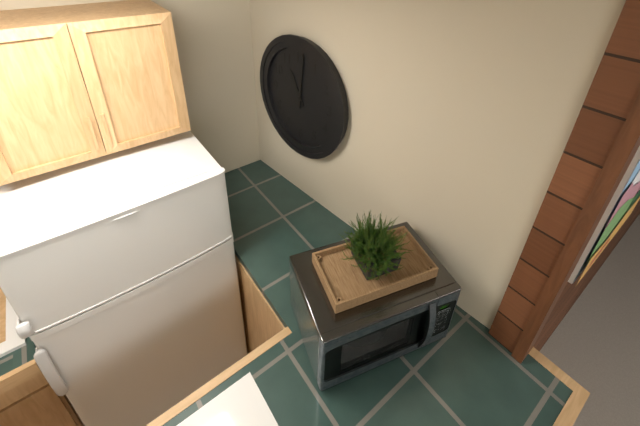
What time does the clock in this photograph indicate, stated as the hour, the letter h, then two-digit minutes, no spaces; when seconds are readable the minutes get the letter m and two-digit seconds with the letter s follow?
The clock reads 11h01
